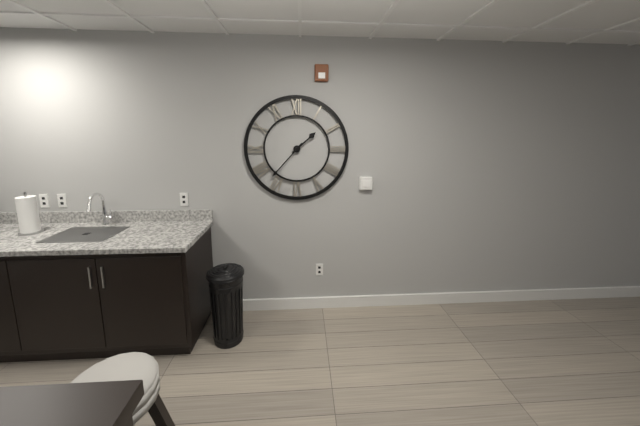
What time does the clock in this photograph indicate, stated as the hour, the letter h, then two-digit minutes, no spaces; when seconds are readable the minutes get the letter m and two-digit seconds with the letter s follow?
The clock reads 1h37
